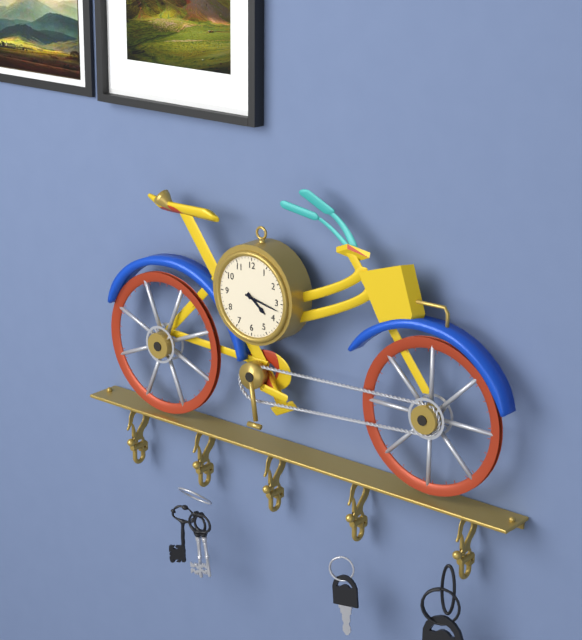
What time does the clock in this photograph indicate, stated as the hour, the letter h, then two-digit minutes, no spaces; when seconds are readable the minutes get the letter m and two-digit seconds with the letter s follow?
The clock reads 4h17
